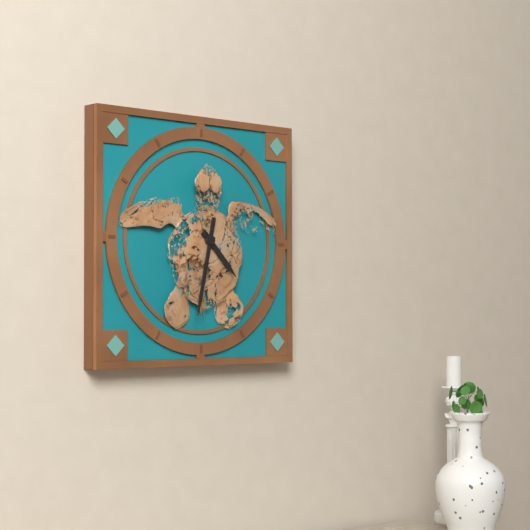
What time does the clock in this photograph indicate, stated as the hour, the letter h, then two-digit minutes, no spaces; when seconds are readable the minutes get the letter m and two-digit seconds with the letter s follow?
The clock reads 4h32
